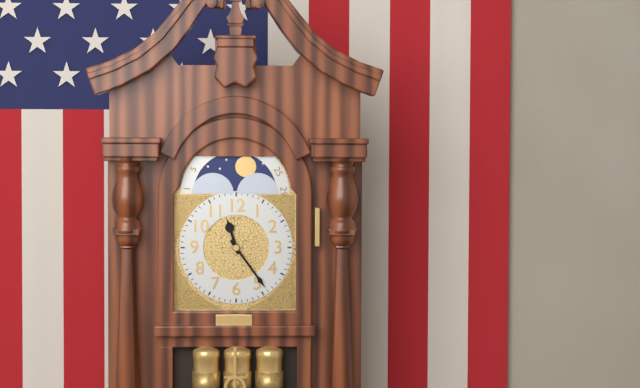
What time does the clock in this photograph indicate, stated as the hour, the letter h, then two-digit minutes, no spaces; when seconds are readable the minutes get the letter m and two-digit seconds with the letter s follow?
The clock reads 11h24
